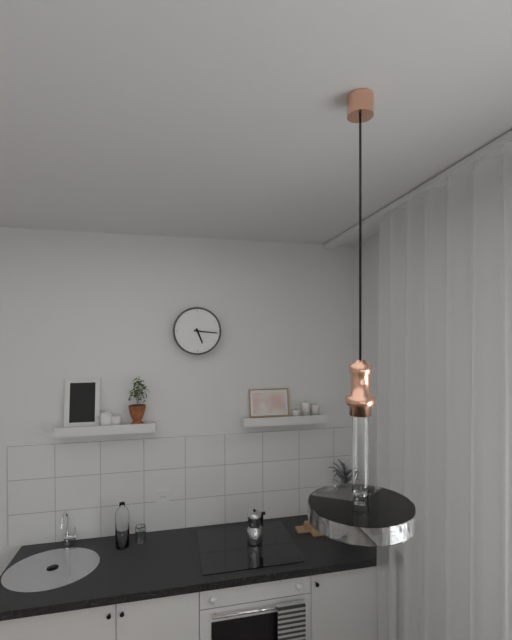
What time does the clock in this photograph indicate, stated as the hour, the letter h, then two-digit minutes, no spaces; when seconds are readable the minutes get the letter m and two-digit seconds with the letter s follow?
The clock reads 5h16
